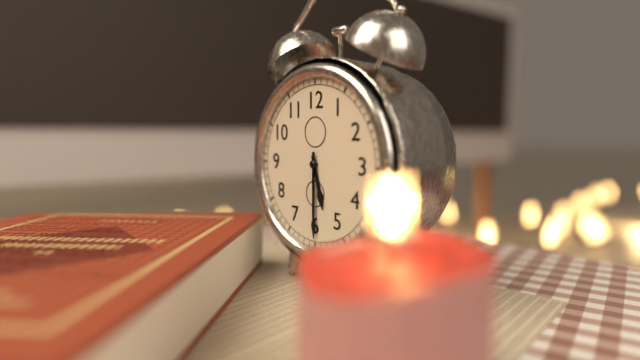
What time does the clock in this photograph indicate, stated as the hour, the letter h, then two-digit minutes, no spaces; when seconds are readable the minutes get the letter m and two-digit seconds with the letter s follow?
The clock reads 5h30
